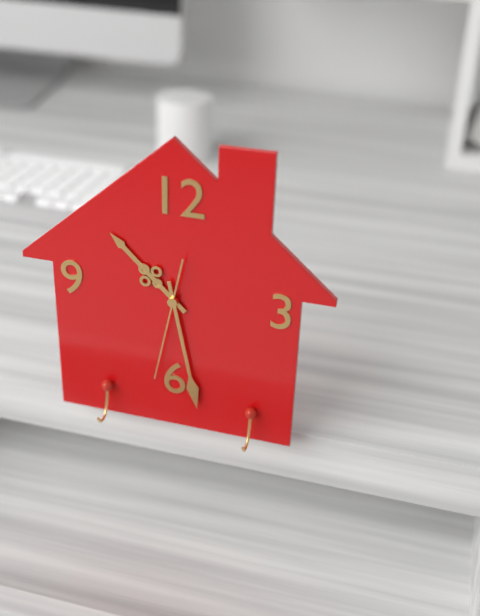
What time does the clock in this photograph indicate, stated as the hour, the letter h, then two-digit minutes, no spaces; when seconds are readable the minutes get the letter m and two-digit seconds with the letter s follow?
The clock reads 10h28m32s
